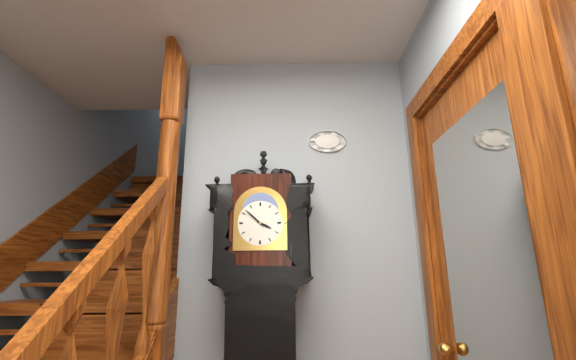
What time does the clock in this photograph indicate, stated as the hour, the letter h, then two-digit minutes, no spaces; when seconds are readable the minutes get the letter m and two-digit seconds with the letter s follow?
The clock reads 3h52
